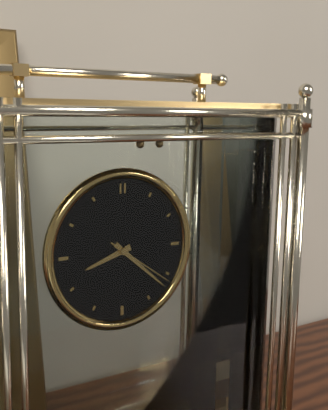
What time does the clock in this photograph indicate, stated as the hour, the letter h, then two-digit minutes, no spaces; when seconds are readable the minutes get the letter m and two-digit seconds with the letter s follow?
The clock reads 8h22m21s
